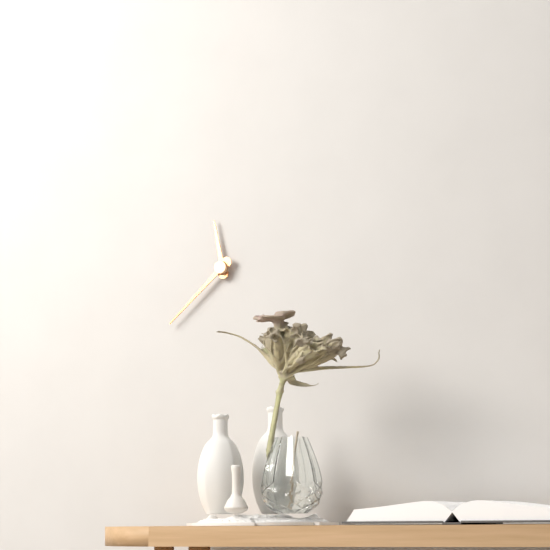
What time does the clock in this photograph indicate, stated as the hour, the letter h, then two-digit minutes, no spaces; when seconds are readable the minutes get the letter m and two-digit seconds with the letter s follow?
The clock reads 11h38
